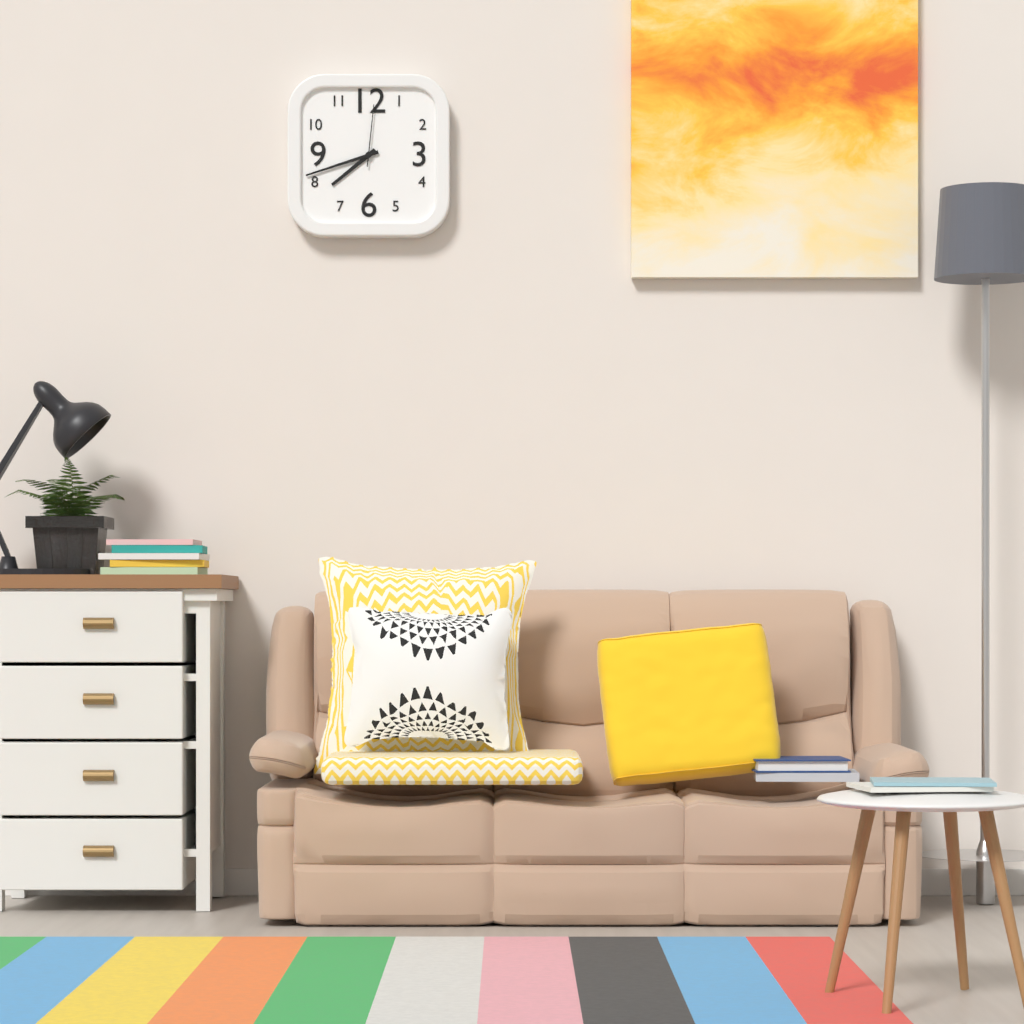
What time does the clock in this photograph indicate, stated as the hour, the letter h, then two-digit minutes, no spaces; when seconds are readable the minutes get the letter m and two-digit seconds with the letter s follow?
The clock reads 7h42m01s
